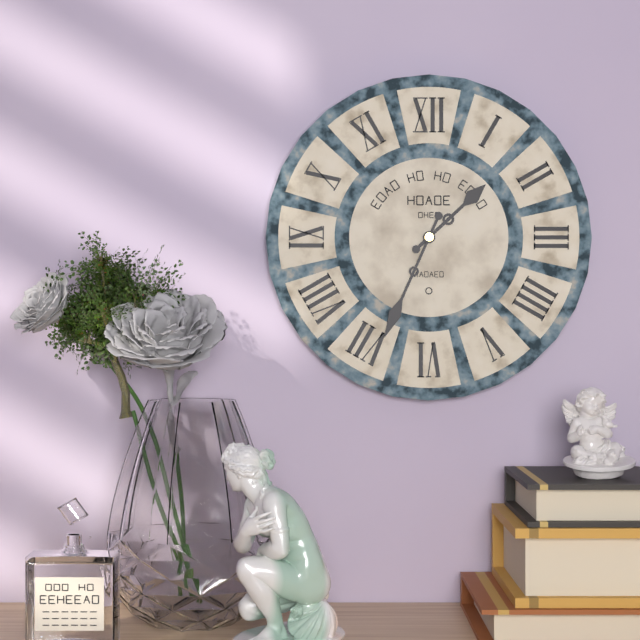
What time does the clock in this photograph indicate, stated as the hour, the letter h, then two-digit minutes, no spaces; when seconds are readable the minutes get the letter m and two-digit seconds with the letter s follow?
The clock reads 1h34
